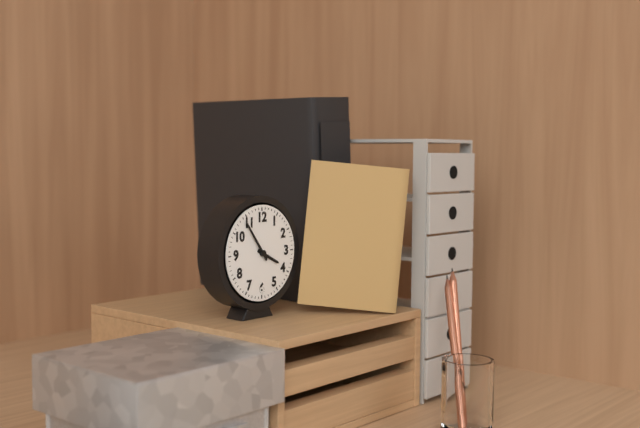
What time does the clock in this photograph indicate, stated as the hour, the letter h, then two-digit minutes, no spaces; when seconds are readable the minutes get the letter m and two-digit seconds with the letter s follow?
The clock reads 3h54
